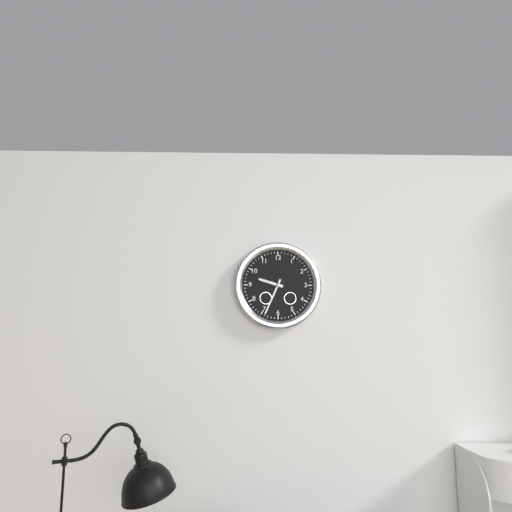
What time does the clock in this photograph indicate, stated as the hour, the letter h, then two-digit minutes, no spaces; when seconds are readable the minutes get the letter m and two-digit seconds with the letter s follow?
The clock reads 9h34
